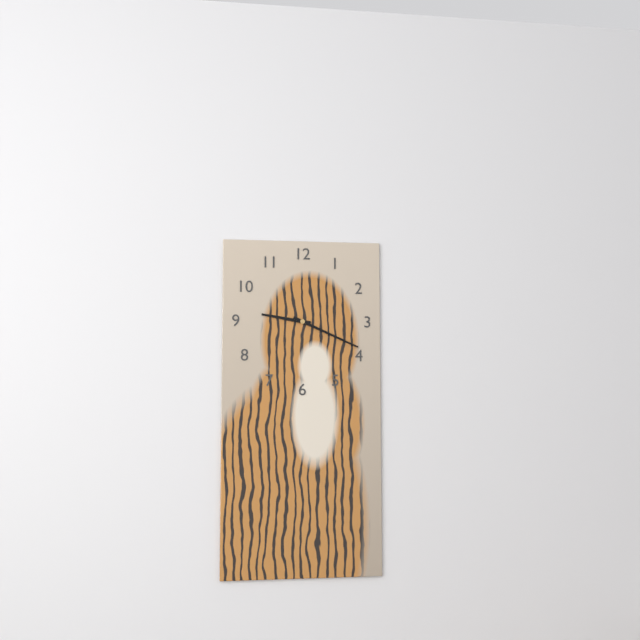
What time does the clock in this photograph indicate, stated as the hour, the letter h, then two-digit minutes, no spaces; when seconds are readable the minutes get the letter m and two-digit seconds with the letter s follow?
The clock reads 9h19
